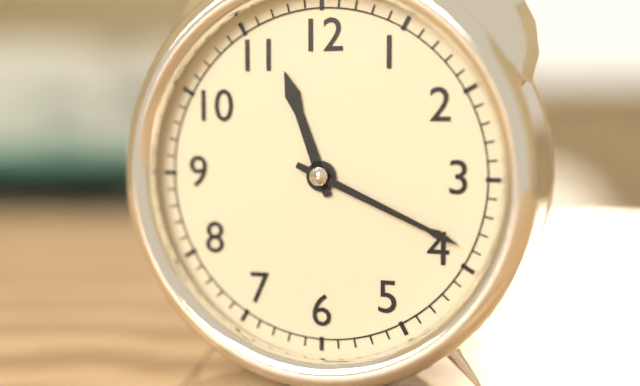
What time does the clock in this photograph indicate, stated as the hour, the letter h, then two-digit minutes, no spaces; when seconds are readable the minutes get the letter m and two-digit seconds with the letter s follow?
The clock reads 11h19
